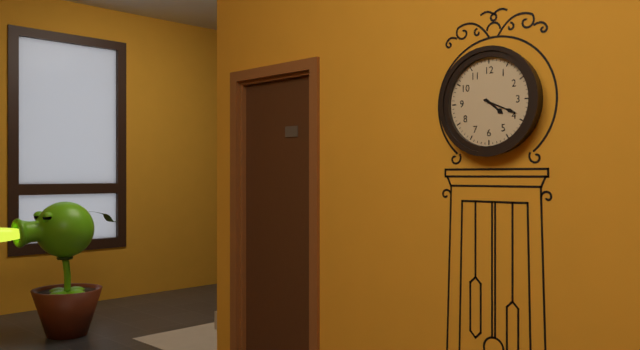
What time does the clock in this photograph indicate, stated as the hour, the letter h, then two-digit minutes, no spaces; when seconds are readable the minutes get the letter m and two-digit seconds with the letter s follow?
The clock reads 4h19
